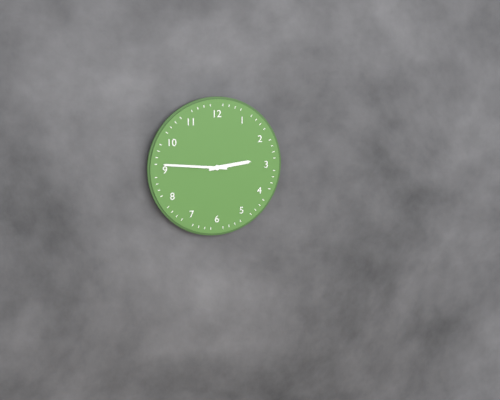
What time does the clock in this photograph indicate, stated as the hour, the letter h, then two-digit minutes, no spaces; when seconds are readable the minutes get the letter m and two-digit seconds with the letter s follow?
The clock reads 2h46
